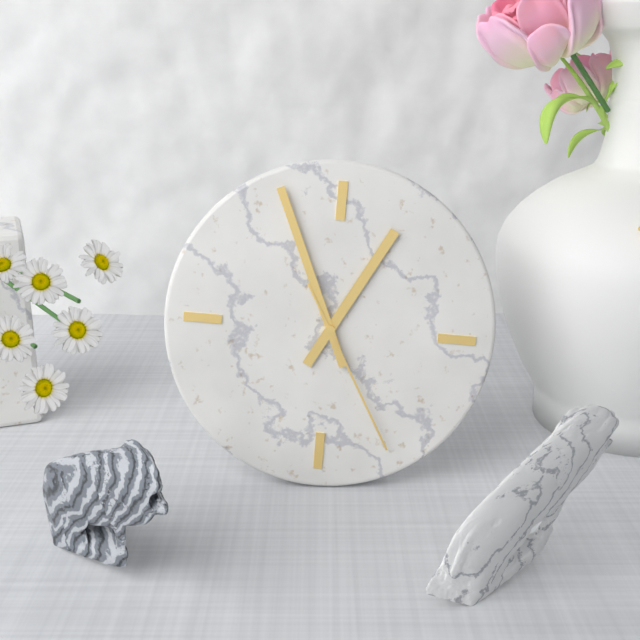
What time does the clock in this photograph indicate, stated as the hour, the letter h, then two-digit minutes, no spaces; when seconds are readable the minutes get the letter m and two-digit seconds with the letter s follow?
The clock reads 12h56m25s
